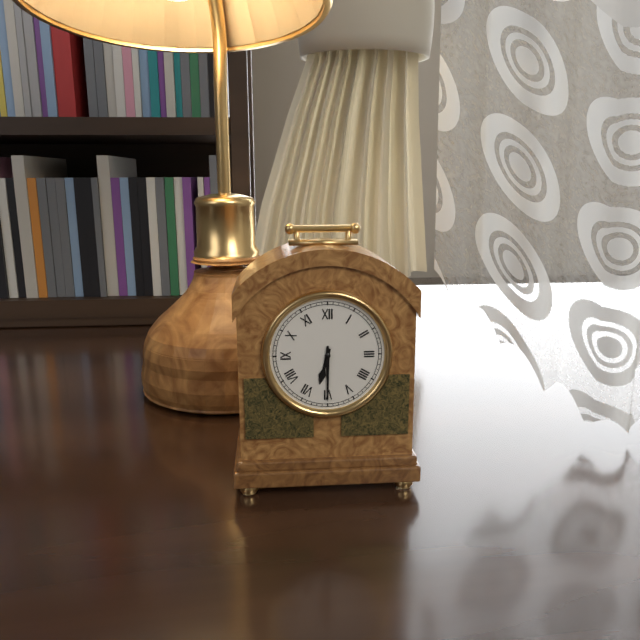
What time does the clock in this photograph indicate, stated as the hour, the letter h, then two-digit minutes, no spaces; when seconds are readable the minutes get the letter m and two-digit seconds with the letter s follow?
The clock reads 6h30
